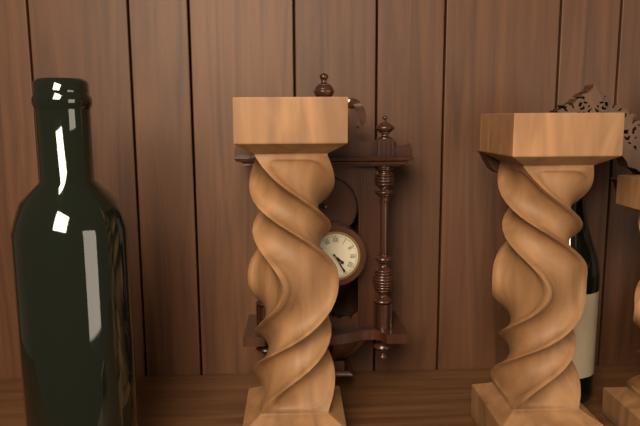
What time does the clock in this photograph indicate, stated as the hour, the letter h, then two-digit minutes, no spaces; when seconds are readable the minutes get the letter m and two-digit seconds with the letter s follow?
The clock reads 4h25
